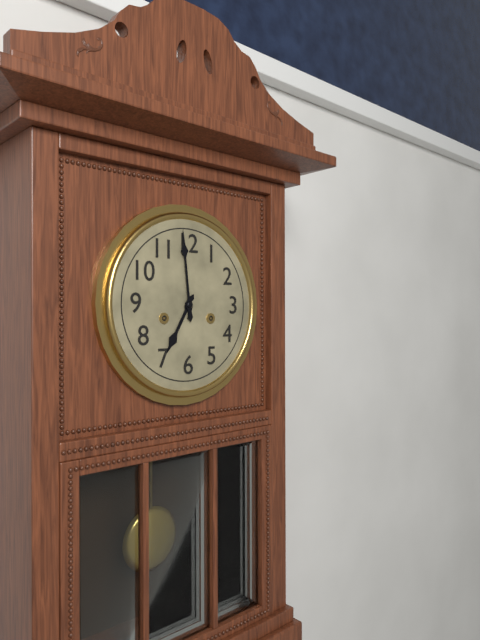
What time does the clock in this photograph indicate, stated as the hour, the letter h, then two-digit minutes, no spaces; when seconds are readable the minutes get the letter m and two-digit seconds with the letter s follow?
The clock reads 6h59
